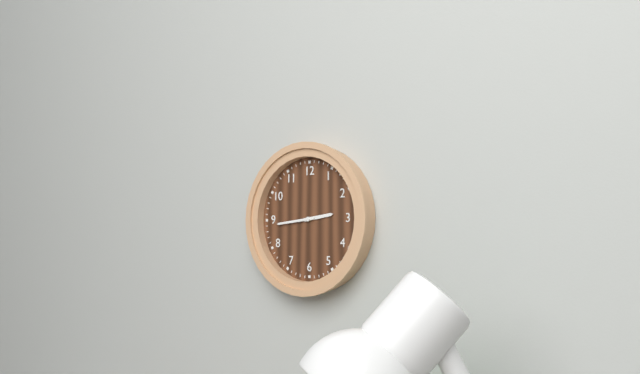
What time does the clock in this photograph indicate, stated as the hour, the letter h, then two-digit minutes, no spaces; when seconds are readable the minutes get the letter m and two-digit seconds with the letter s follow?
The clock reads 2h44
